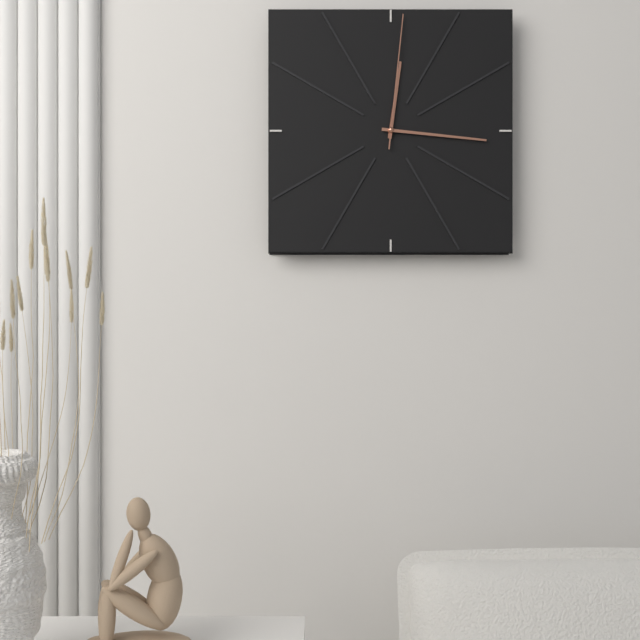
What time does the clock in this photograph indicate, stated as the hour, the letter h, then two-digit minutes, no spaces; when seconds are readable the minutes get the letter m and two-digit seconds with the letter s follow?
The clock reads 12h16m01s
